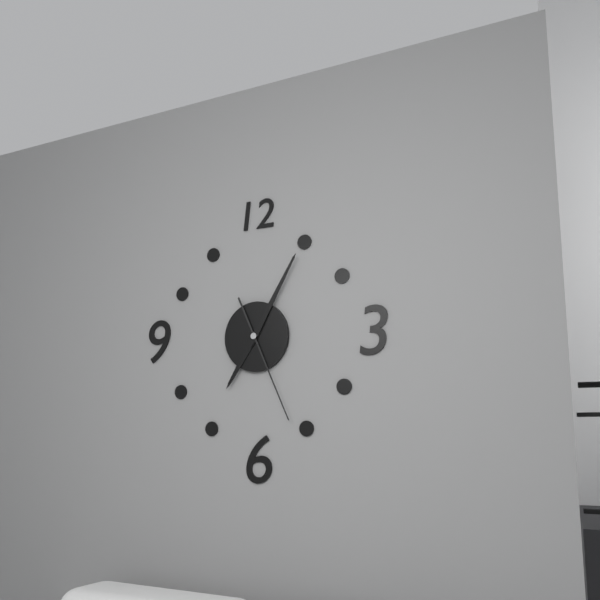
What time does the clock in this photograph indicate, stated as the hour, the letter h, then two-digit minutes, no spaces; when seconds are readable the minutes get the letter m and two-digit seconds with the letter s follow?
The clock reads 7h05m26s
